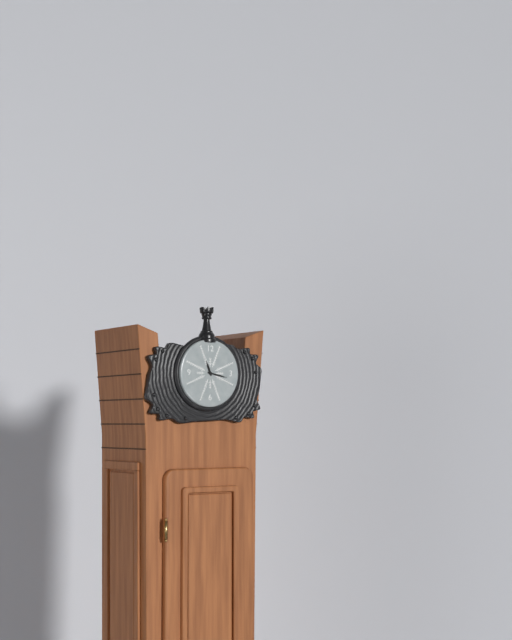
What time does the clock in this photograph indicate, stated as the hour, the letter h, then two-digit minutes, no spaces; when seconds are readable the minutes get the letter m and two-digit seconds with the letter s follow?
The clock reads 11h17
